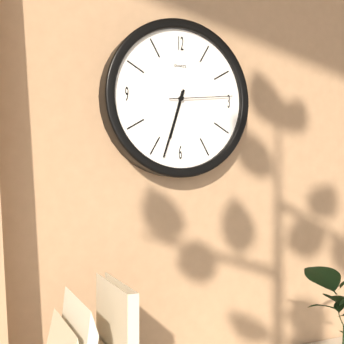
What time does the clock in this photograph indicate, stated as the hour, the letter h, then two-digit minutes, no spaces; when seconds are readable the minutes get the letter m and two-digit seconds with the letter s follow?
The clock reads 6h33m14s
